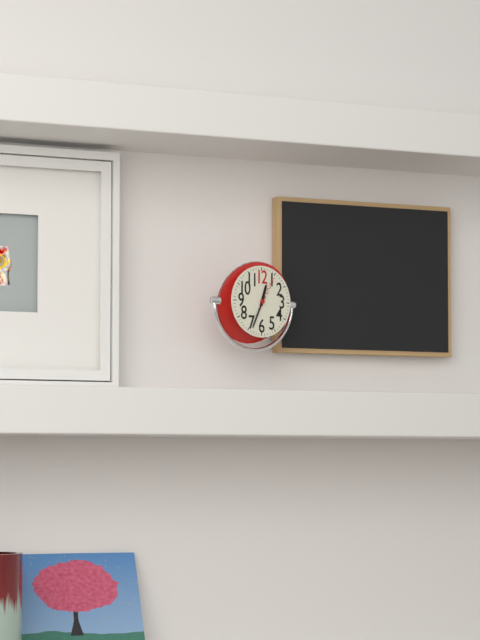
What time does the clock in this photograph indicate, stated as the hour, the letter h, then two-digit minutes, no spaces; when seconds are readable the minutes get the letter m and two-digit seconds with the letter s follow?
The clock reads 12h34
